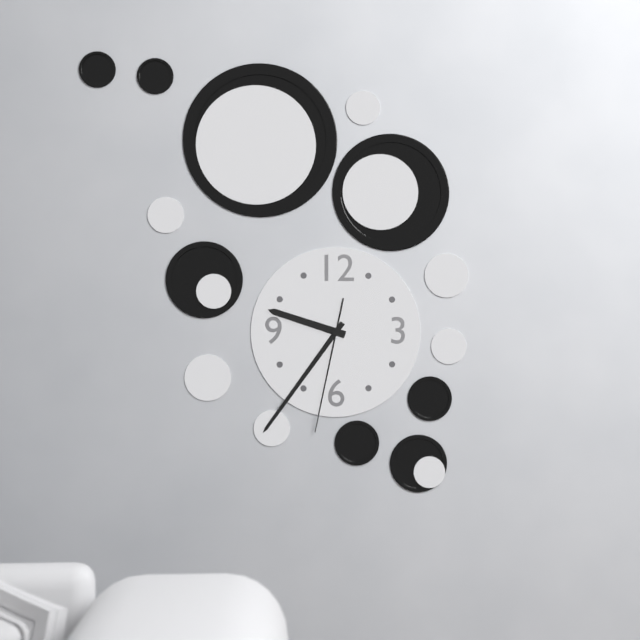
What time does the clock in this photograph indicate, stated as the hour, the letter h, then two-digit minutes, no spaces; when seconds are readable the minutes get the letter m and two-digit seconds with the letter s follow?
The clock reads 9h36m32s
